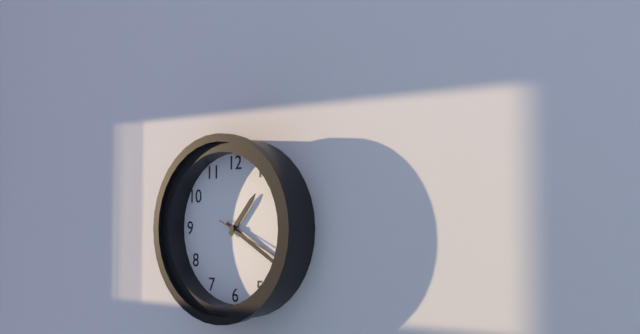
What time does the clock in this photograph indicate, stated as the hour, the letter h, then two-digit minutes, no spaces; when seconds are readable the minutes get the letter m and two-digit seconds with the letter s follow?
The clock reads 1h20m19s
